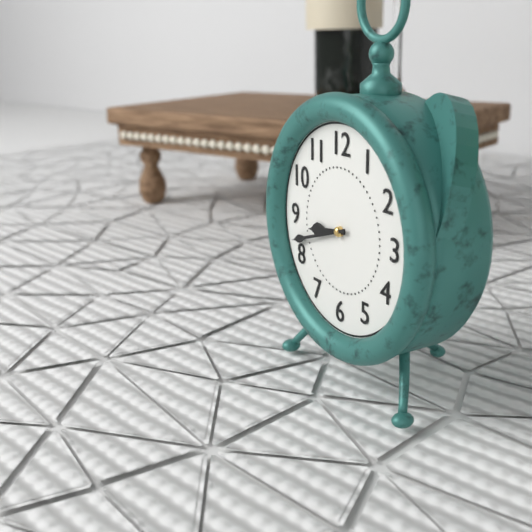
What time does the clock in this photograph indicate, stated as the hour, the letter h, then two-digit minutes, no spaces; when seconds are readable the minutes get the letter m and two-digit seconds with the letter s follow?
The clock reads 8h42
